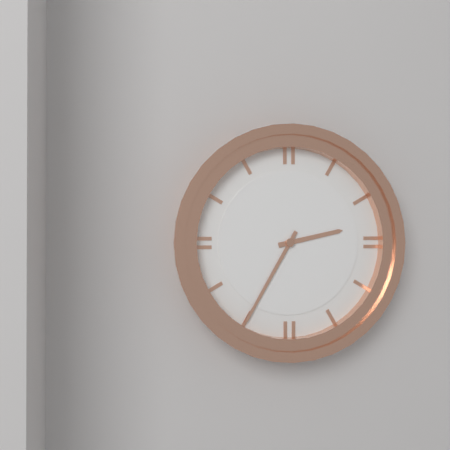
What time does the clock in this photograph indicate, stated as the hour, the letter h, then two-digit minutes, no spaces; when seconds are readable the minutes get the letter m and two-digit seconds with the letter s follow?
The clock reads 2h35
